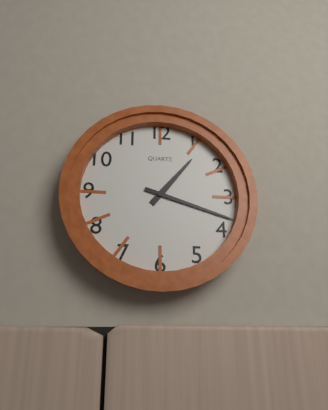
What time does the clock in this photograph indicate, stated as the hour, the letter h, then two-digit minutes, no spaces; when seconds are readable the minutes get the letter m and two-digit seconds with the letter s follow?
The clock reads 1h18
